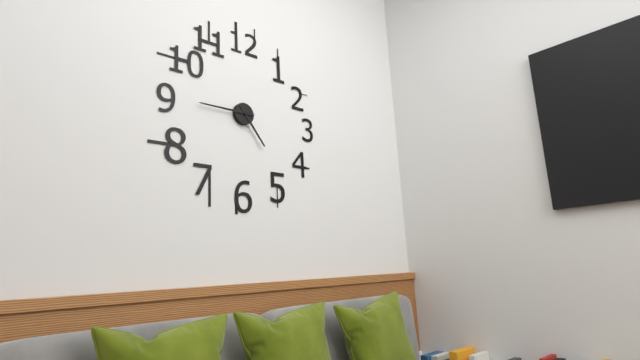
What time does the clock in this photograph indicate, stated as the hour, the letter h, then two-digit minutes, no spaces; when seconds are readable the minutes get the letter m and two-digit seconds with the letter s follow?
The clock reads 4h45
